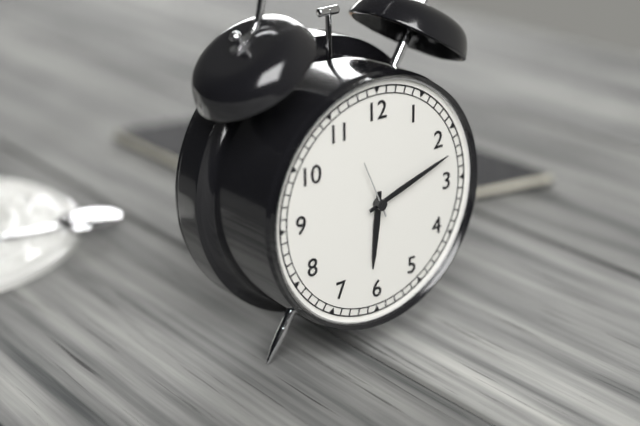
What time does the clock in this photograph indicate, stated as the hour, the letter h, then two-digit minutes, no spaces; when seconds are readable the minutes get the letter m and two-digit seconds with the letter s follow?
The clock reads 6h12m56s
